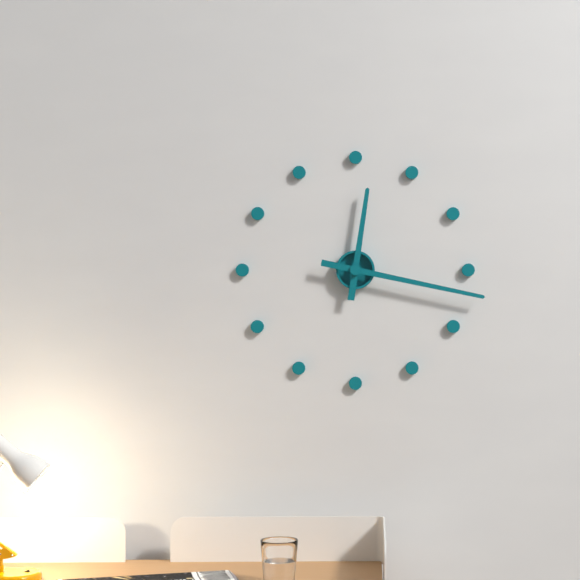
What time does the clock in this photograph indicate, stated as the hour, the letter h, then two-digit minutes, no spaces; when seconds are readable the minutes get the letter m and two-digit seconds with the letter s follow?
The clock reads 12h17
